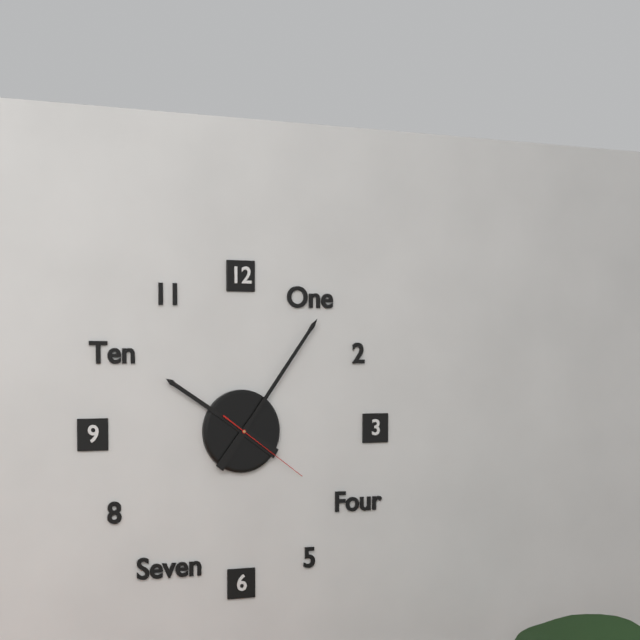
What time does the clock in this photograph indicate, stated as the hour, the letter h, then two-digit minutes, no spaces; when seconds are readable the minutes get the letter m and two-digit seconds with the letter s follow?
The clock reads 10h06m21s
